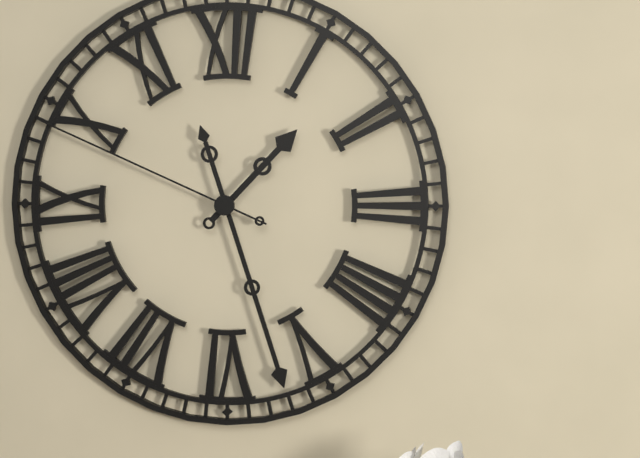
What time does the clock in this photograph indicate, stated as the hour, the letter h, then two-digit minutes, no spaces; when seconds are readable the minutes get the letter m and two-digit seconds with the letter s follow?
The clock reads 1h27m49s
